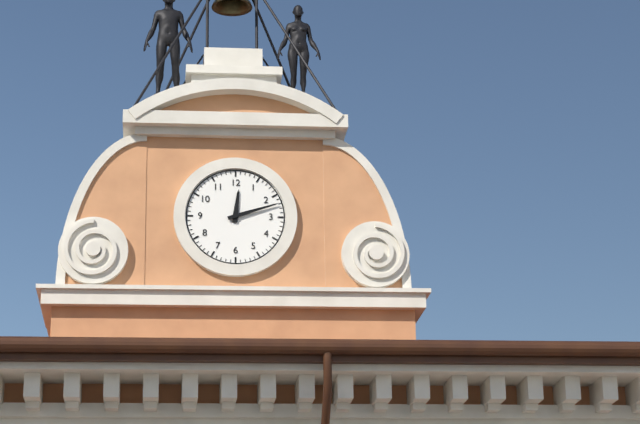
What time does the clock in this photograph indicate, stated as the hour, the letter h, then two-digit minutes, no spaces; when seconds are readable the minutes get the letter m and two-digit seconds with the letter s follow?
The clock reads 12h12
